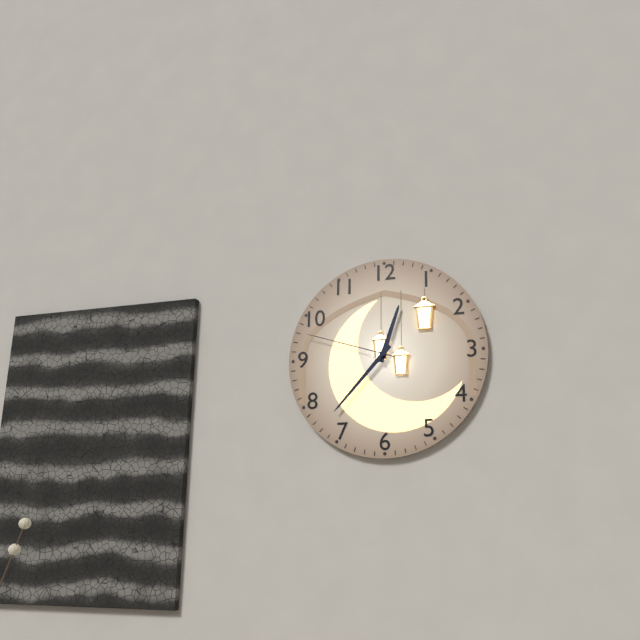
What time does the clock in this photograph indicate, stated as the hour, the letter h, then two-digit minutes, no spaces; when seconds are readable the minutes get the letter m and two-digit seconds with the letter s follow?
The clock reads 12h37m48s
